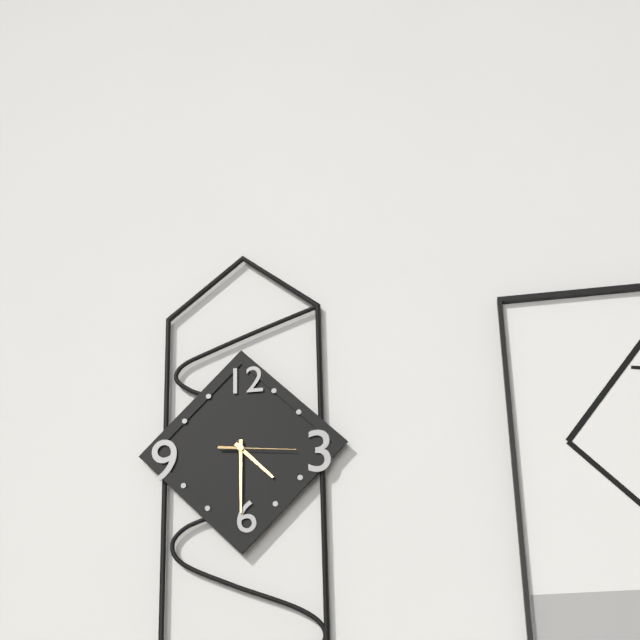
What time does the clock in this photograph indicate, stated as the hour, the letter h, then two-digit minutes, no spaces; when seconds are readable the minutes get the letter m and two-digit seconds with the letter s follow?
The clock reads 4h30m16s
